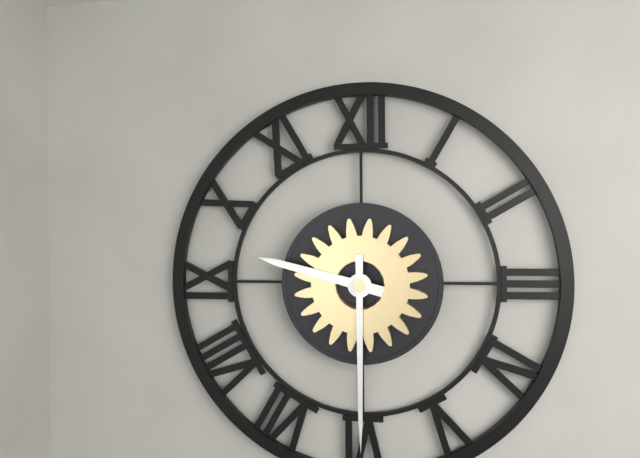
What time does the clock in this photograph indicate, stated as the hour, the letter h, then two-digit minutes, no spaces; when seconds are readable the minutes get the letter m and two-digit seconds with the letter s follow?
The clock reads 9h30
